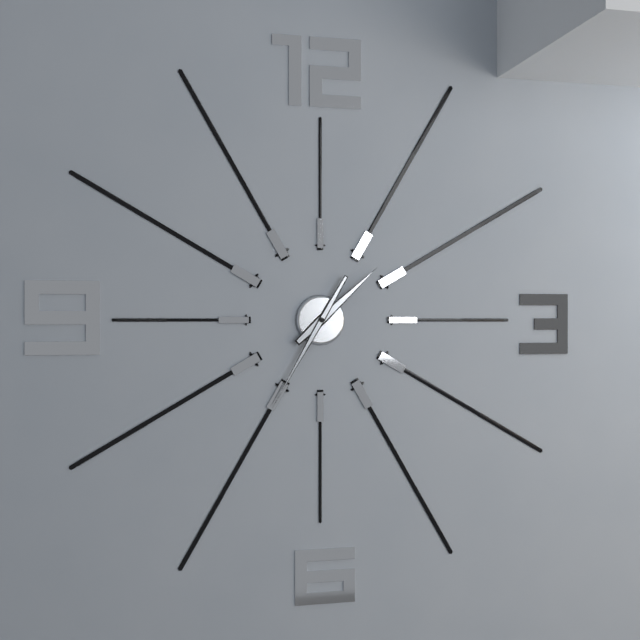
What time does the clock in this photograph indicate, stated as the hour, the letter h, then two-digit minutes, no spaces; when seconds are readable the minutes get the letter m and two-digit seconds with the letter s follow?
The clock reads 1h35
